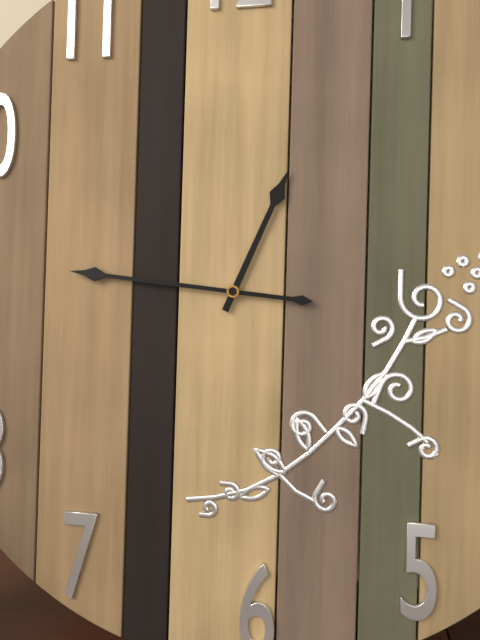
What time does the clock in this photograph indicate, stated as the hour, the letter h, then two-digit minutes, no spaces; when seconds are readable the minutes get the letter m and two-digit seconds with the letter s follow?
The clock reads 12h46
